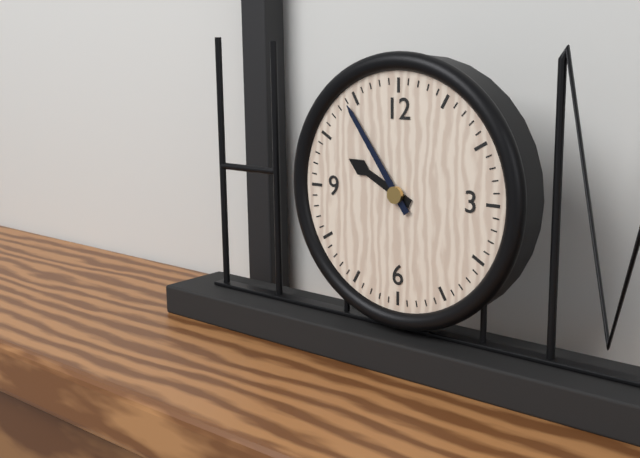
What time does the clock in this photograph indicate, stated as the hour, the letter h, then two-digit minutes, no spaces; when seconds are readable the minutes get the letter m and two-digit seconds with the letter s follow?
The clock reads 9h54
